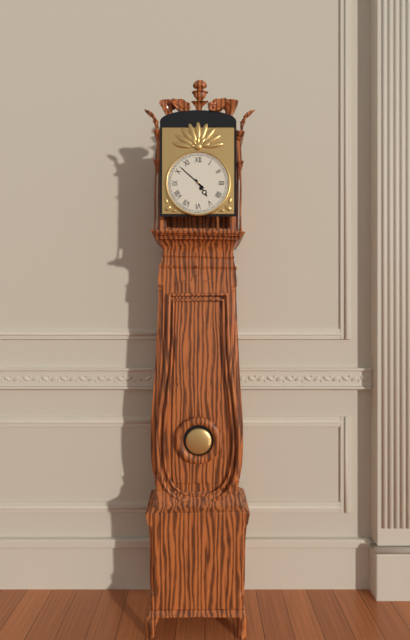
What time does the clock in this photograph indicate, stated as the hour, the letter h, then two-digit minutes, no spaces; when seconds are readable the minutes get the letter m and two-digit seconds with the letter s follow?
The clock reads 4h52
